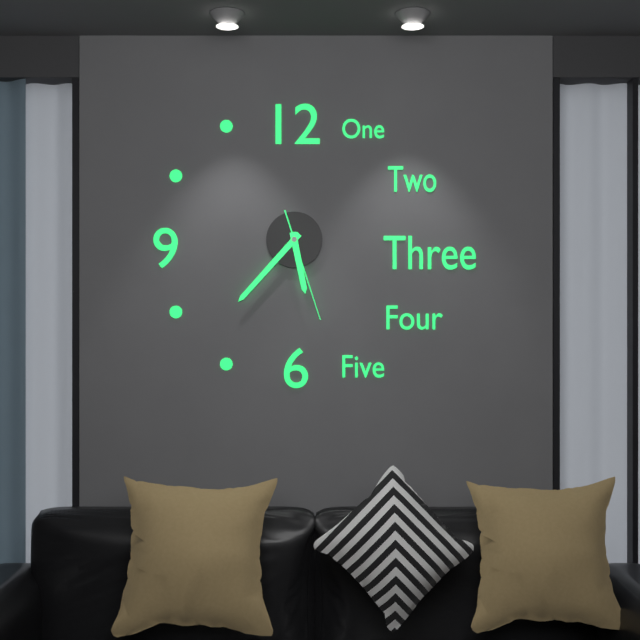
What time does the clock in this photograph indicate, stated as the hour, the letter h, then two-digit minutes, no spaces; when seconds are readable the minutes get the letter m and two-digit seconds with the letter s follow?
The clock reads 5h37m27s
